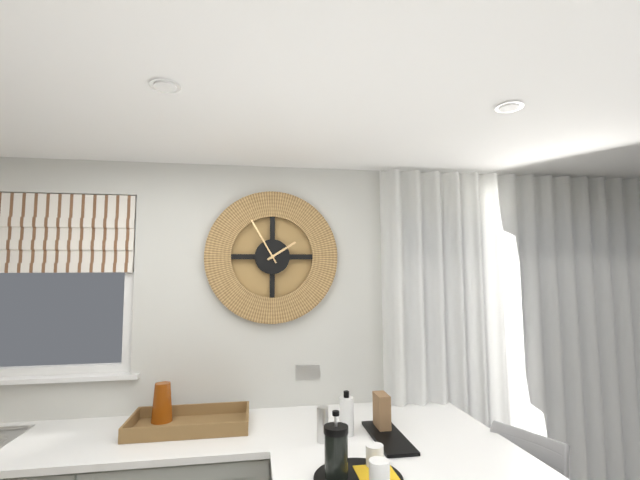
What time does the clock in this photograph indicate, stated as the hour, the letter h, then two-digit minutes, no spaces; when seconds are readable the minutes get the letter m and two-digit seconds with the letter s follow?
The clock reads 1h55
